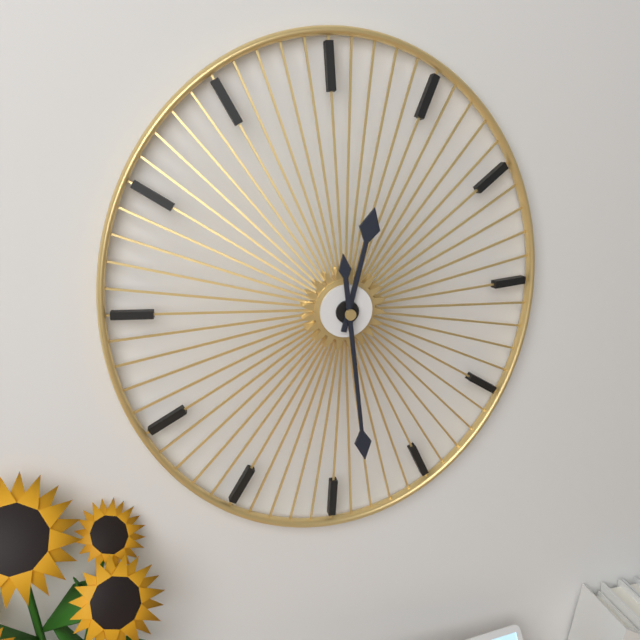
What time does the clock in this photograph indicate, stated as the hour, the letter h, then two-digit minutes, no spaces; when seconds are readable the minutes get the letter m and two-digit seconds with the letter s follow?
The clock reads 12h29
